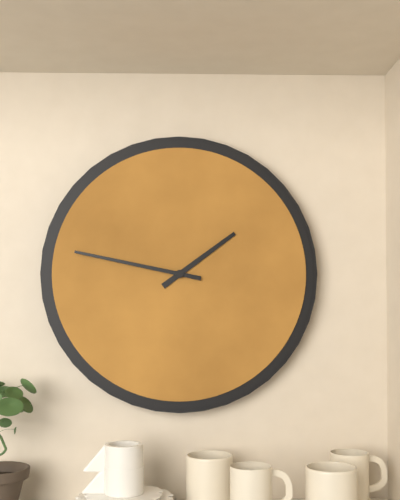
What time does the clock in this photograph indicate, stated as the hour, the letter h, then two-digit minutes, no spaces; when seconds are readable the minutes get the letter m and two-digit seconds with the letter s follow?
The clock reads 1h47
